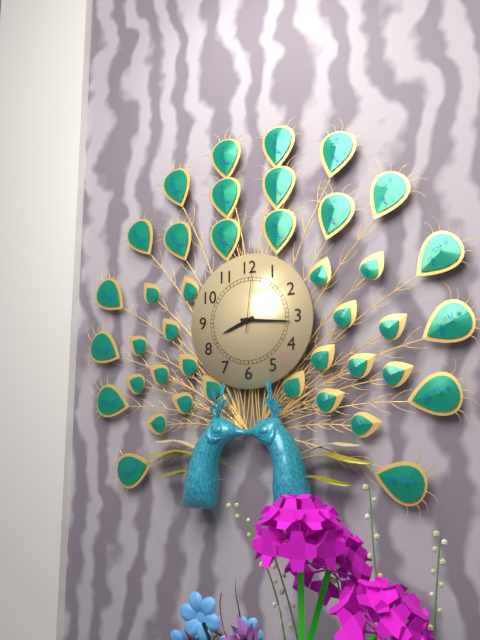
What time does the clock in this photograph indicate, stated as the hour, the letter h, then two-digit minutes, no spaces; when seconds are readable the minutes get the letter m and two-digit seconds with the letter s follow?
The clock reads 8h16m01s
